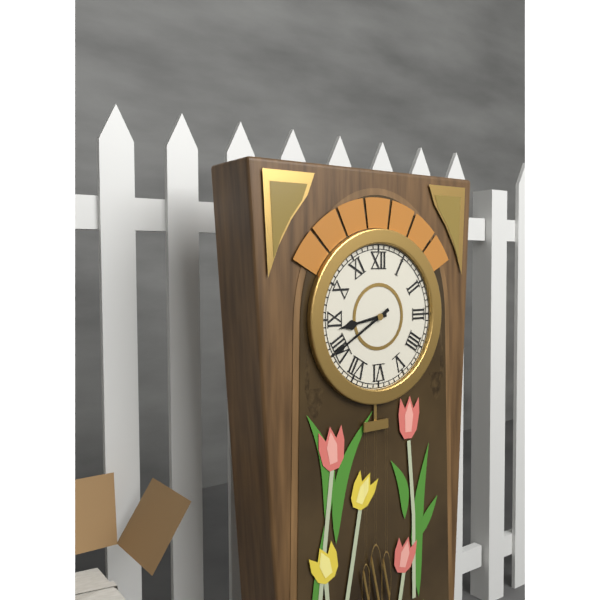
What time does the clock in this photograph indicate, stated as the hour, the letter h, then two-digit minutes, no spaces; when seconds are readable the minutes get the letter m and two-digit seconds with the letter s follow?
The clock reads 8h40
